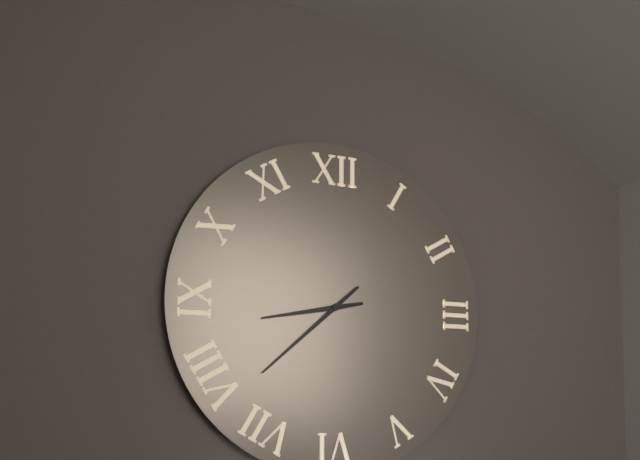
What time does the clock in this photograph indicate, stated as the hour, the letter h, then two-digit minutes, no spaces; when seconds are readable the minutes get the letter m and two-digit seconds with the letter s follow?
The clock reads 8h38
